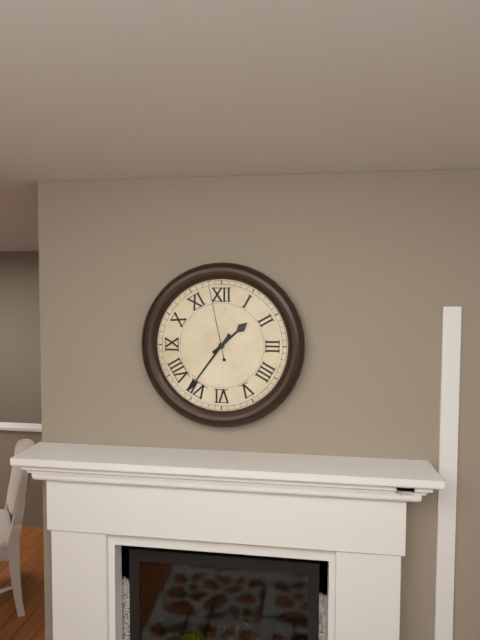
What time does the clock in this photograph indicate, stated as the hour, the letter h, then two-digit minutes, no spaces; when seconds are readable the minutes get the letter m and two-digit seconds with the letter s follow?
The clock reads 1h36m58s
